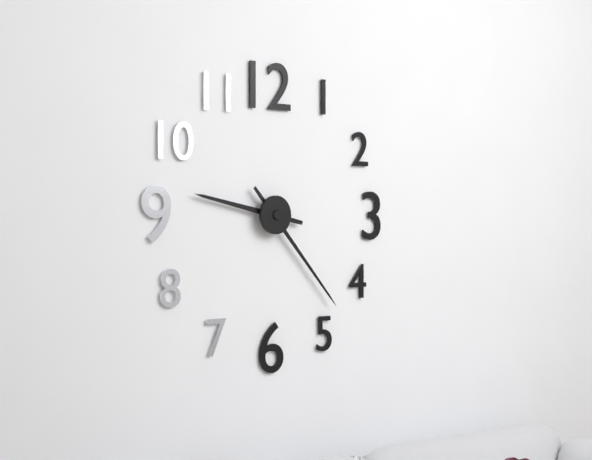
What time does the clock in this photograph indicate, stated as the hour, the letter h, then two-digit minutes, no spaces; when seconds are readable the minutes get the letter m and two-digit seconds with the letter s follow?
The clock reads 9h23
